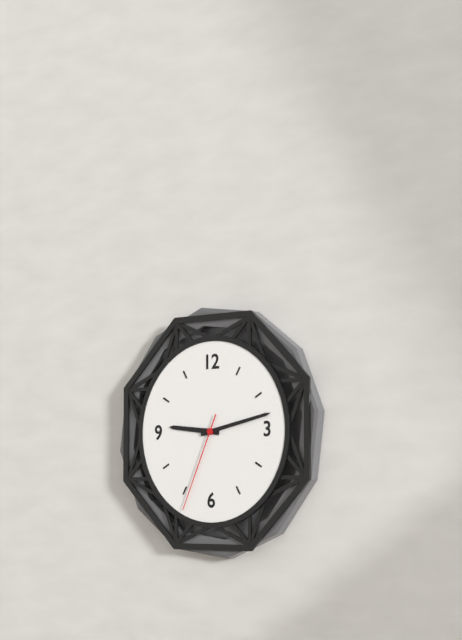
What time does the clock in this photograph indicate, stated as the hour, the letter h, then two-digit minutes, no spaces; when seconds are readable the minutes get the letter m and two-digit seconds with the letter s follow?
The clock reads 9h13m34s
